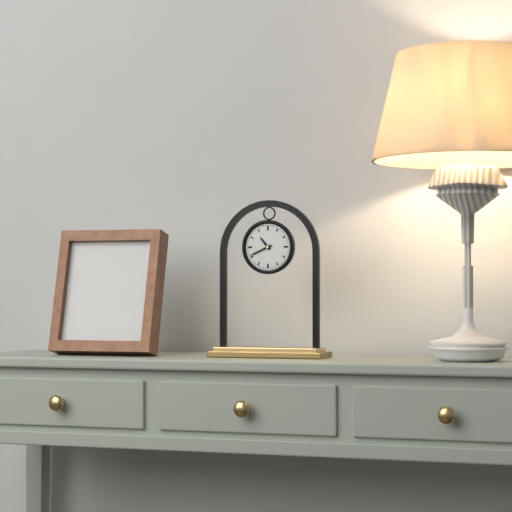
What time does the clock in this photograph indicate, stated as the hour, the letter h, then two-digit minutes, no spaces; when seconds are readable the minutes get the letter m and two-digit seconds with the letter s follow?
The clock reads 10h41
